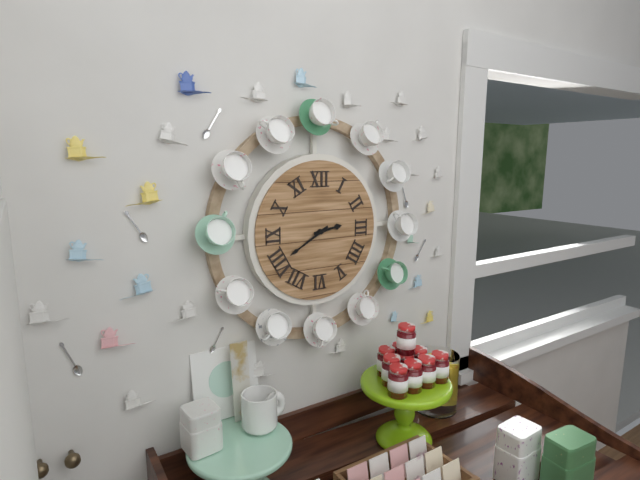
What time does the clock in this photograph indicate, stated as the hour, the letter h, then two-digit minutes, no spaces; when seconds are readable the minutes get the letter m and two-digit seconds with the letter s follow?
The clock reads 2h40
